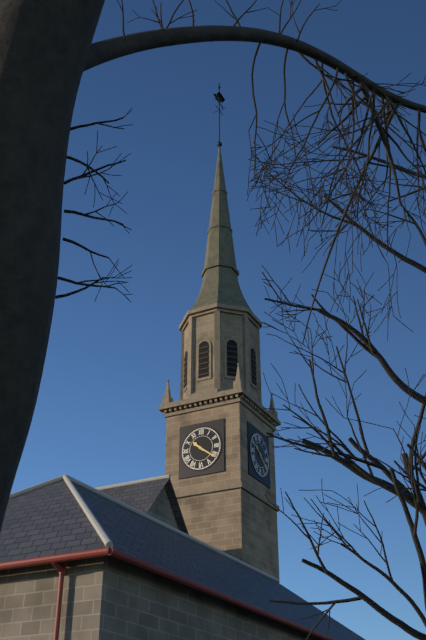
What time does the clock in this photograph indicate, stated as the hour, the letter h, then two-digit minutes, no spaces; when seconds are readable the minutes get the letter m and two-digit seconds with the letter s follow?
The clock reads 10h21
